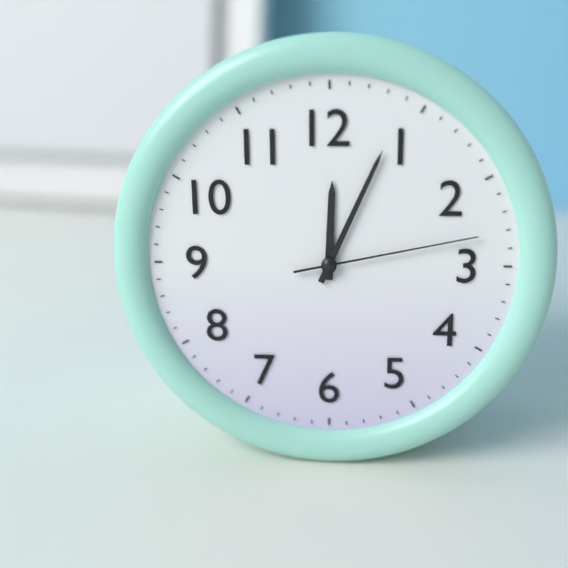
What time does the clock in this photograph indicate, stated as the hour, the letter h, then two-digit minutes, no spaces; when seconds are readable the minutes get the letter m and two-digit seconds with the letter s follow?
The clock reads 12h04m13s
